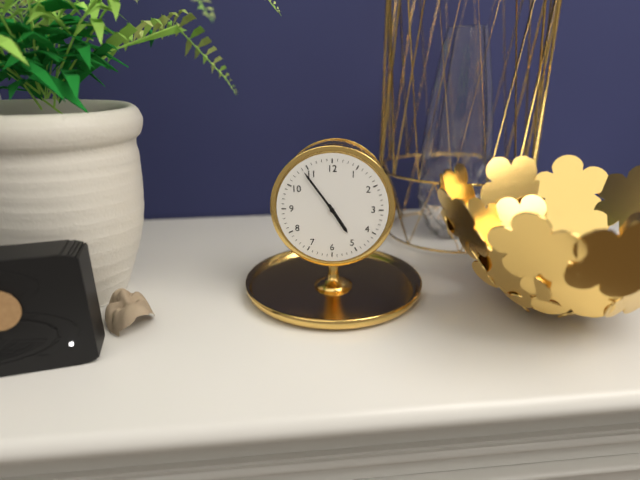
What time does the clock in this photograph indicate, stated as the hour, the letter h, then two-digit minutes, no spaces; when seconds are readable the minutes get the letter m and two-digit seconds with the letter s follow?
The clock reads 4h54
